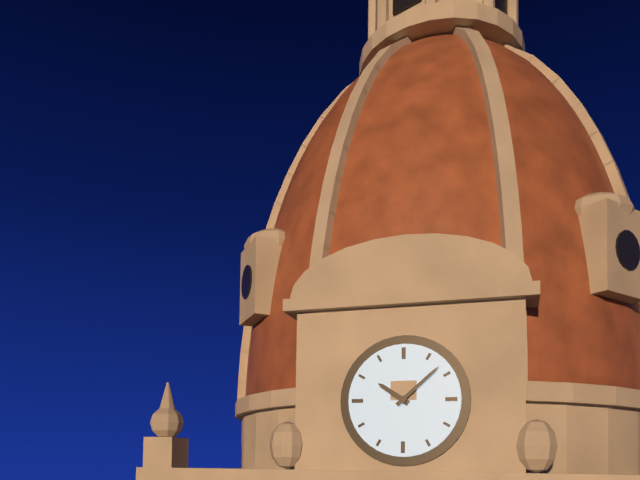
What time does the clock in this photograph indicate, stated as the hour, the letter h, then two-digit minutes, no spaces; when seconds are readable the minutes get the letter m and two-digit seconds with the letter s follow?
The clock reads 10h08
